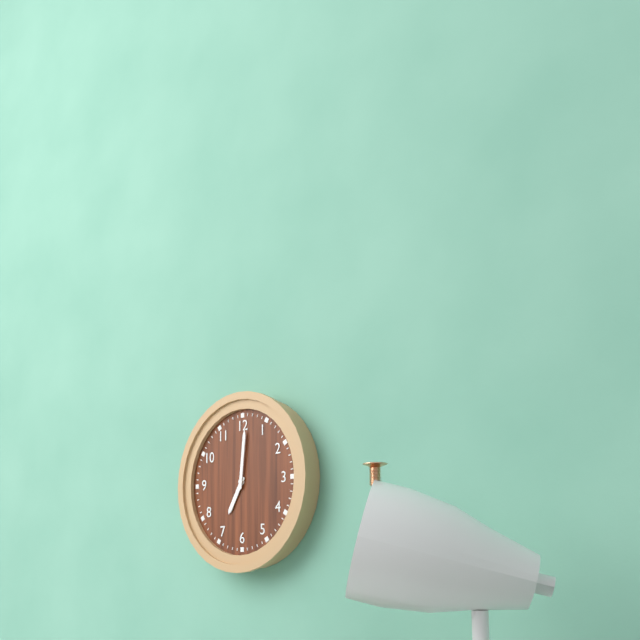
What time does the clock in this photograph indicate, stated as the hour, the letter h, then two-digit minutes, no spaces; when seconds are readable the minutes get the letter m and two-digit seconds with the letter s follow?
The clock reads 7h01
